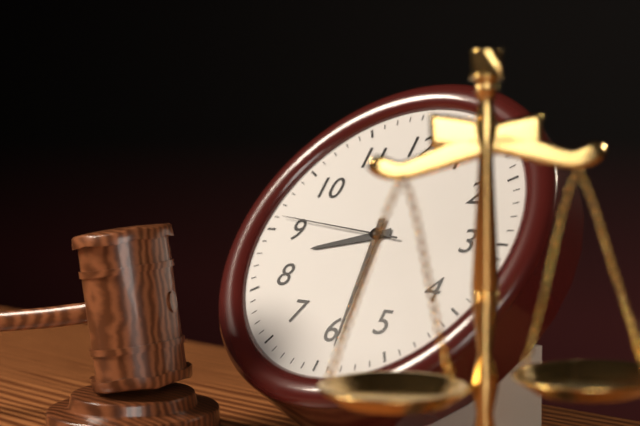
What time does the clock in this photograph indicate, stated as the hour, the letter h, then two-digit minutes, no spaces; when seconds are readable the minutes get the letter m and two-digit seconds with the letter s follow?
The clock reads 8h29m46s
